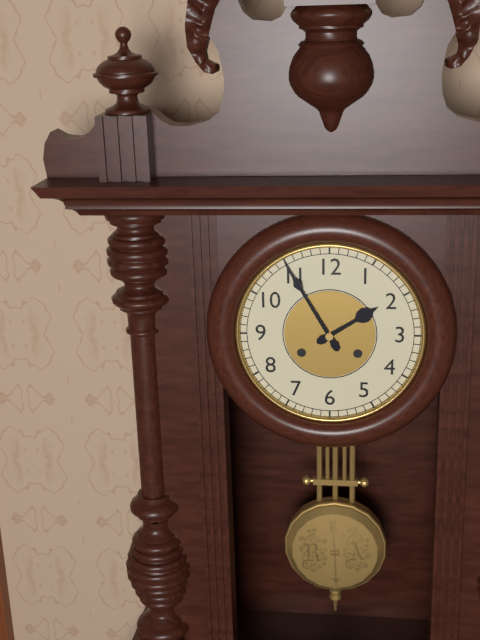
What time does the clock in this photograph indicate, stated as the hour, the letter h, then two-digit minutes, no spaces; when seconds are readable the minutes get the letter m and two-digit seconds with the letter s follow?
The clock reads 1h55
